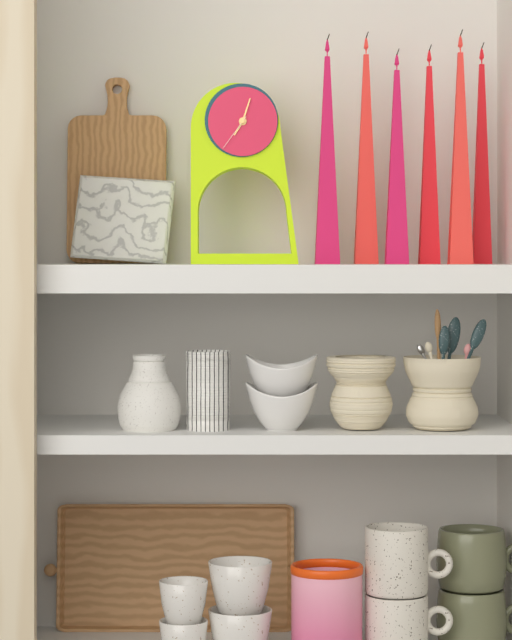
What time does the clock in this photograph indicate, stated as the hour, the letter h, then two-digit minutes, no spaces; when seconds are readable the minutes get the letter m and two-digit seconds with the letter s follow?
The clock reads 7h03
